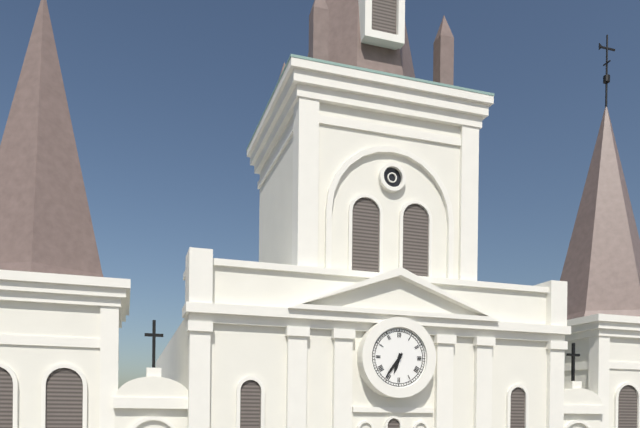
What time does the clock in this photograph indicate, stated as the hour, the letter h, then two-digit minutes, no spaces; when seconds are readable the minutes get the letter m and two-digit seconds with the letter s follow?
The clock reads 6h36
